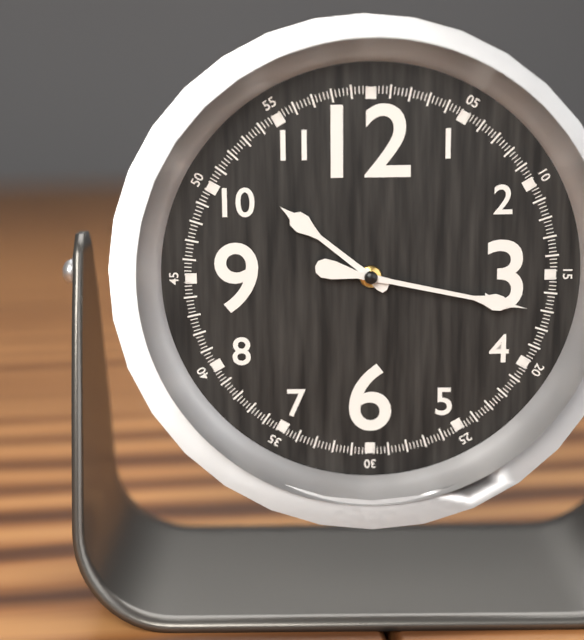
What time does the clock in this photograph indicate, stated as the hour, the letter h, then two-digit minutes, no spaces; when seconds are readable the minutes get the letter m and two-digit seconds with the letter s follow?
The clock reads 10h17
